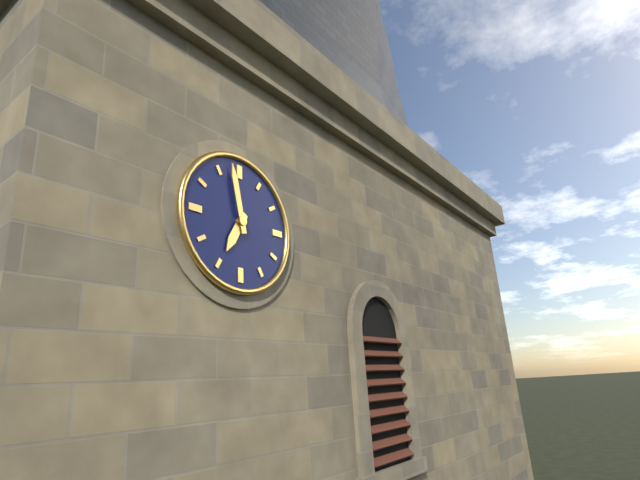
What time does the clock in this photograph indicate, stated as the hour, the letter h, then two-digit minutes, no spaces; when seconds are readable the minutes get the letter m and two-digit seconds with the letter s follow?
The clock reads 6h58
